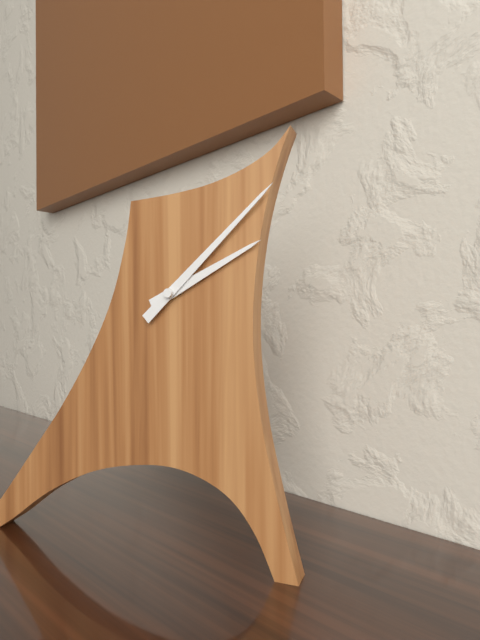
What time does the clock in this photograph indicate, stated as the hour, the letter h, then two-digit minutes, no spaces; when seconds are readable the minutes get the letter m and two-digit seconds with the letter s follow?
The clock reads 2h08
